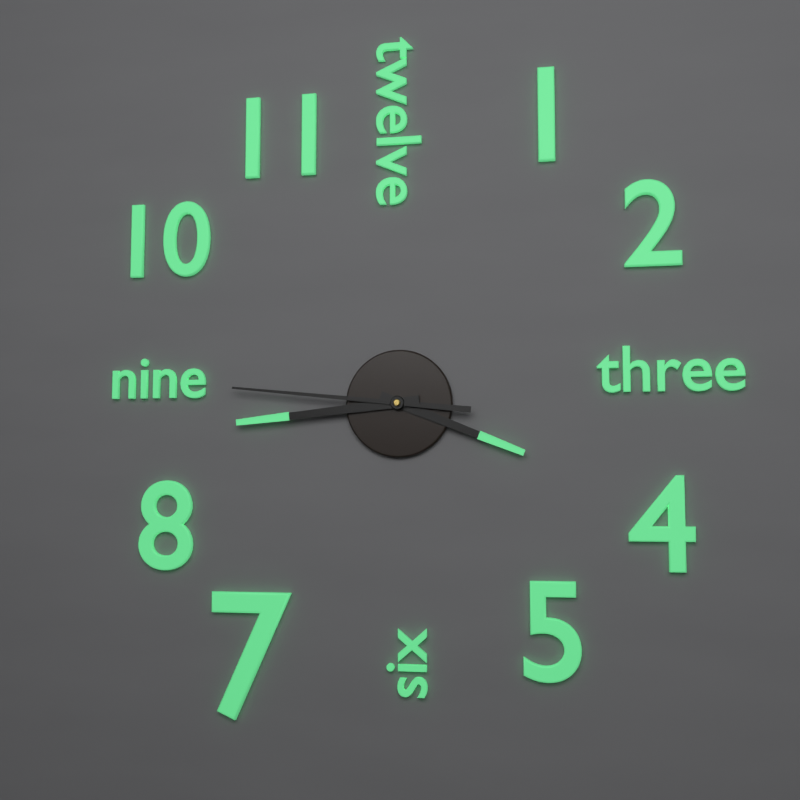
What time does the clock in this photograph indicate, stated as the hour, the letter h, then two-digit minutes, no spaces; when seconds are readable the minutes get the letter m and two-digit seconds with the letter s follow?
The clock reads 3h44m46s
